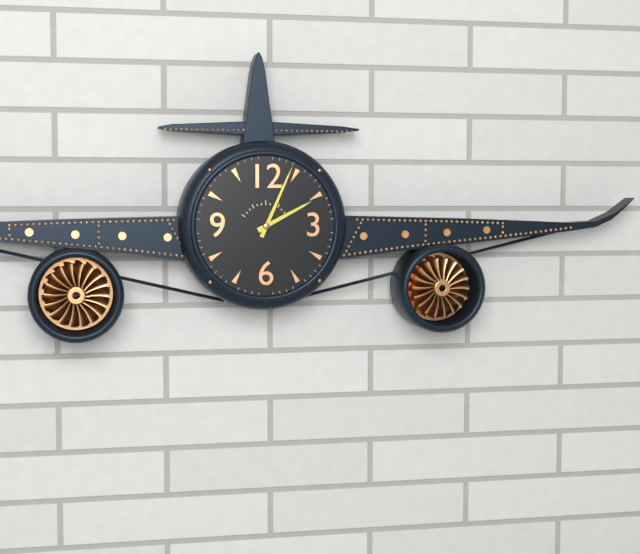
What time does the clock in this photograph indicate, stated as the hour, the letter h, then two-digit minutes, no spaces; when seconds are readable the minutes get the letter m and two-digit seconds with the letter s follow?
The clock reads 2h04
